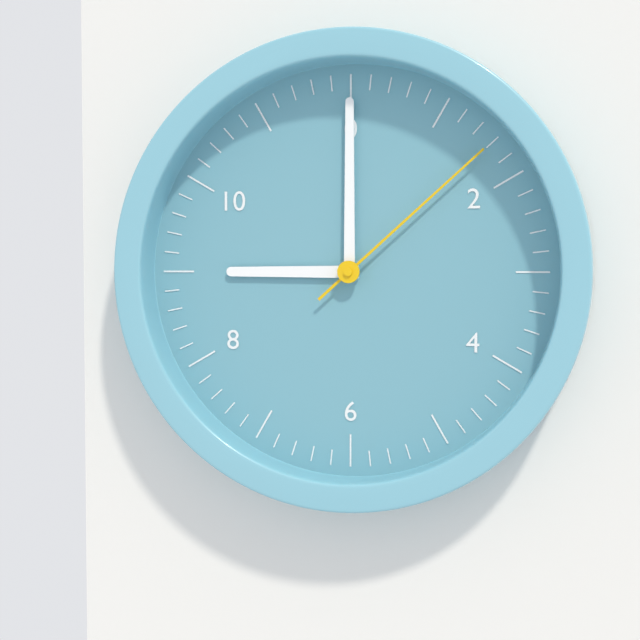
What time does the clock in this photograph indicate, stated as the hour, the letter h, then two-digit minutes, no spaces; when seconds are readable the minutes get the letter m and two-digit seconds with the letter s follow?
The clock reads 9h00m08s
